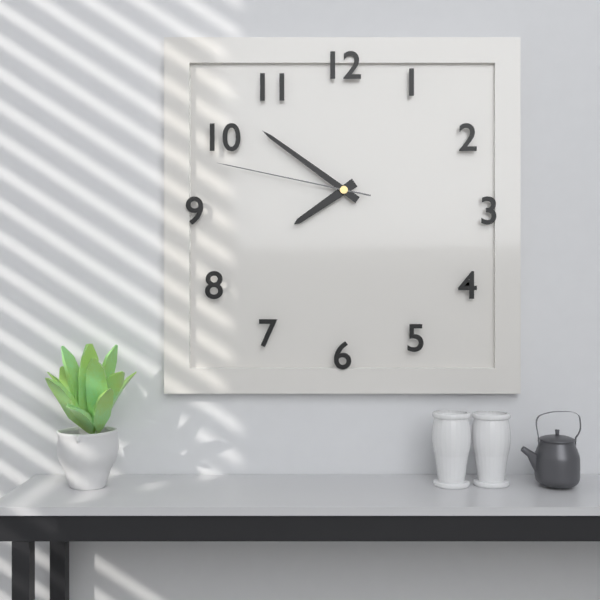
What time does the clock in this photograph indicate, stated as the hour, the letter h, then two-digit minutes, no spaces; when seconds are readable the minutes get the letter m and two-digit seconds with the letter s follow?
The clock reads 7h51m47s
